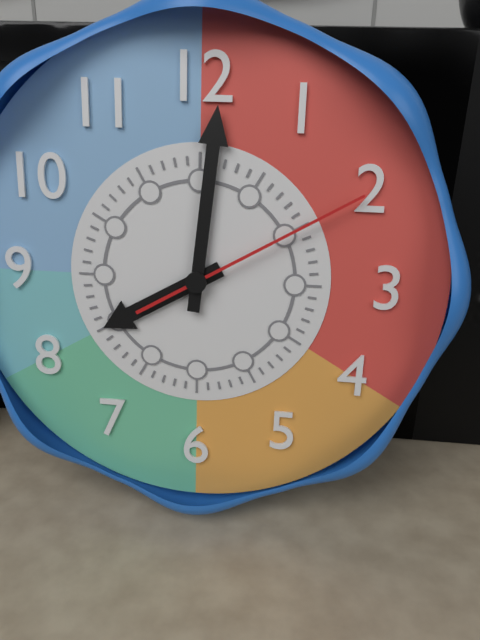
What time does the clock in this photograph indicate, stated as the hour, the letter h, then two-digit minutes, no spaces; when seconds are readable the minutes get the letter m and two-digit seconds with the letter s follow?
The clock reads 8h01m10s
